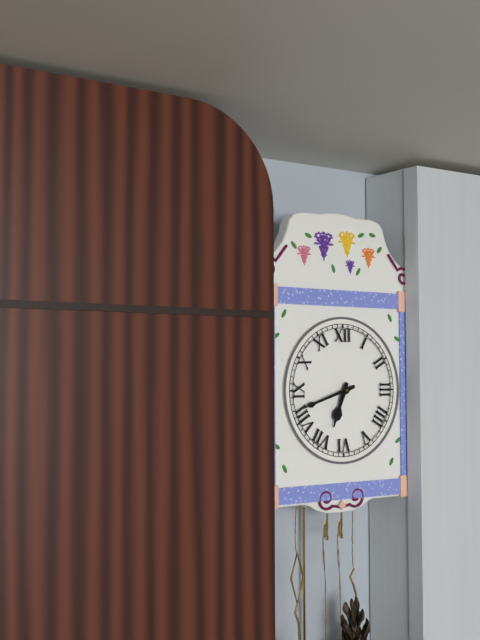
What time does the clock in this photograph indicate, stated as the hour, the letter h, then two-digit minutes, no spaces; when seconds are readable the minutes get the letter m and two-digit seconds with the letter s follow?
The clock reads 6h42
